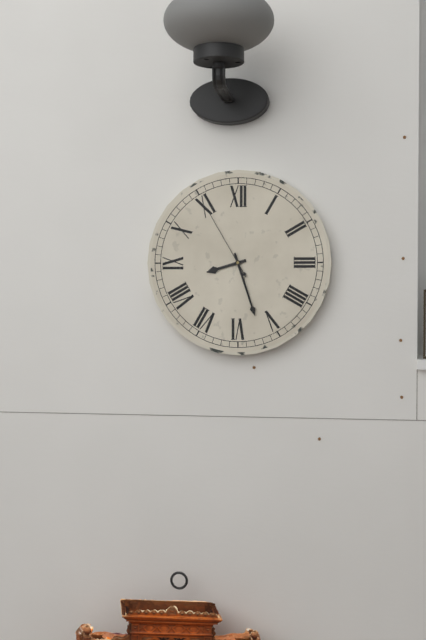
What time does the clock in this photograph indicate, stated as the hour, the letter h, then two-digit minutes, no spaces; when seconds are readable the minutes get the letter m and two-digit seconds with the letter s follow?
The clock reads 8h27m55s
